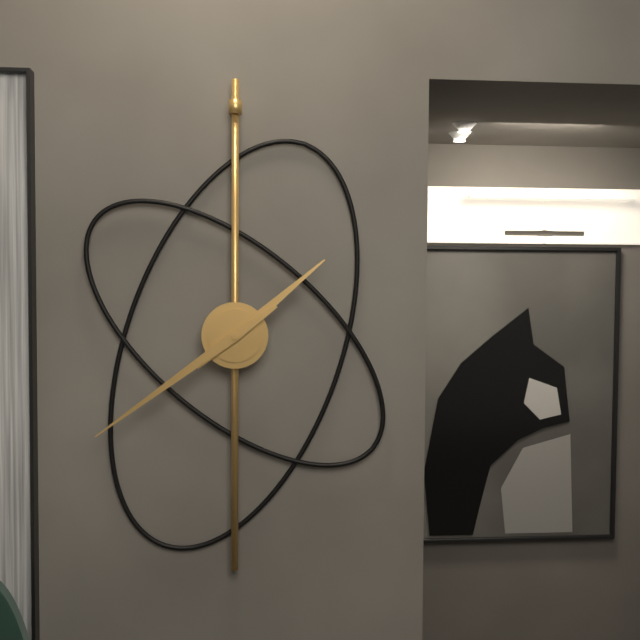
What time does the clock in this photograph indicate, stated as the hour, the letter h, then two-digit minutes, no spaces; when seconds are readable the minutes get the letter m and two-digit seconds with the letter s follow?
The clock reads 1h39
